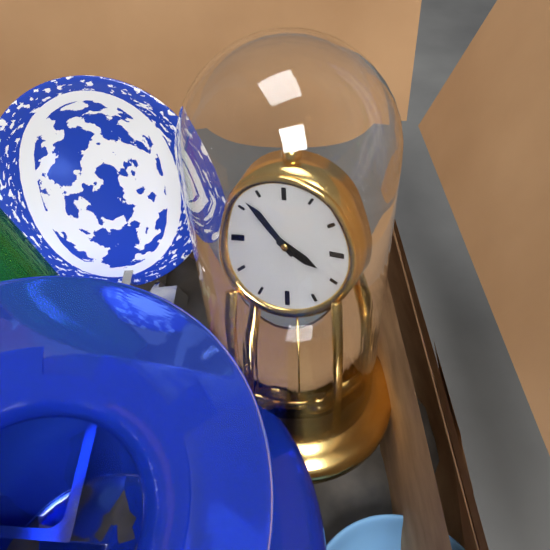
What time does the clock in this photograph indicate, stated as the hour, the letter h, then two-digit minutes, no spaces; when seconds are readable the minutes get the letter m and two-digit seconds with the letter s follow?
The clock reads 3h52
